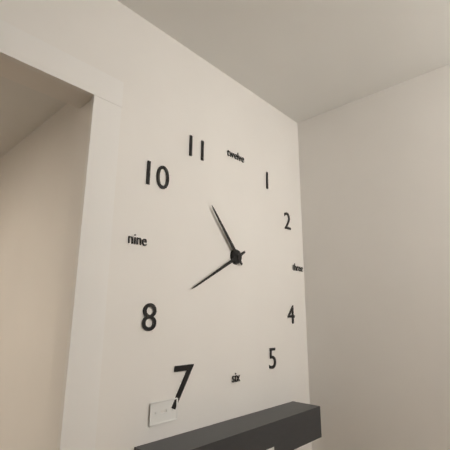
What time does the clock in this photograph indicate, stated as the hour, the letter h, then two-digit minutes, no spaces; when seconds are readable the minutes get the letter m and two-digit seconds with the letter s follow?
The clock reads 10h40
